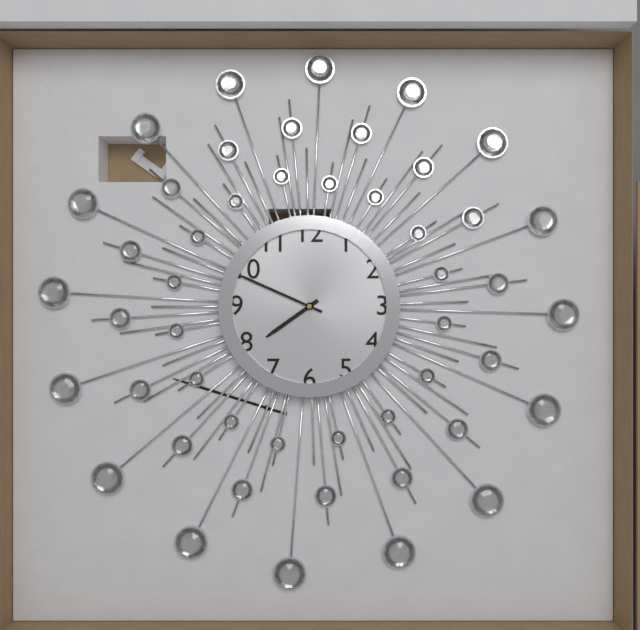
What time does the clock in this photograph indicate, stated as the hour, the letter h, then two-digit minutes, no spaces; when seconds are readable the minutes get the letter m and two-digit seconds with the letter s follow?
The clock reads 7h49
